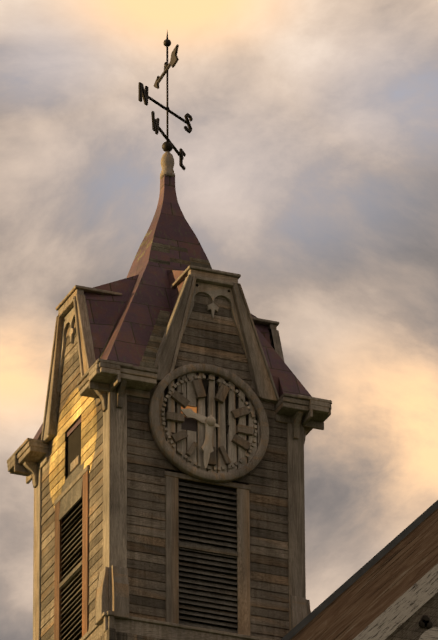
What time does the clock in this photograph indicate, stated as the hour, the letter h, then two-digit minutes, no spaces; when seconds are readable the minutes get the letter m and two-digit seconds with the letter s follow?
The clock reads 9h31
